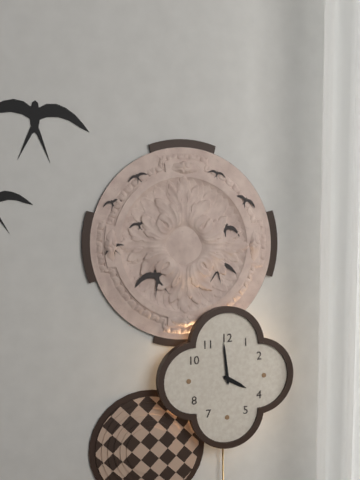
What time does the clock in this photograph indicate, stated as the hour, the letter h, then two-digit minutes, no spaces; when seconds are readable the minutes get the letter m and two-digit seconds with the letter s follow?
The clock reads 3h59
